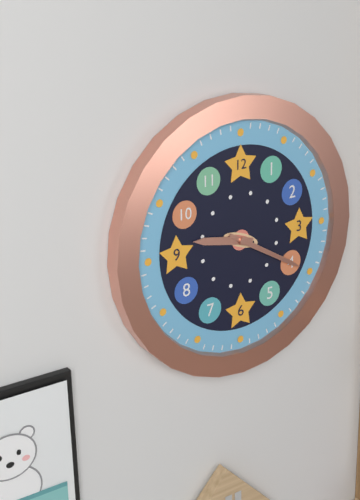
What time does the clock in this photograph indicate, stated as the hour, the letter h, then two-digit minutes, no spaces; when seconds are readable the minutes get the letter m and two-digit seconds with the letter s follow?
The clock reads 9h20
